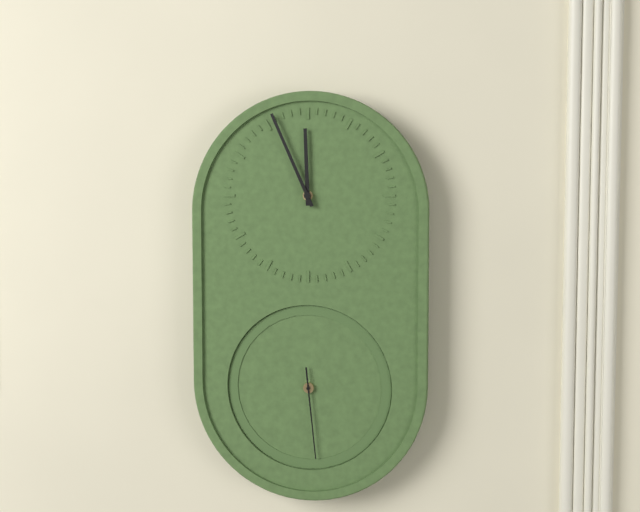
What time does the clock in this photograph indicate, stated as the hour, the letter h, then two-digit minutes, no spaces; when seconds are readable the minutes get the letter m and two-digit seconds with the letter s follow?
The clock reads 11h56m29s
